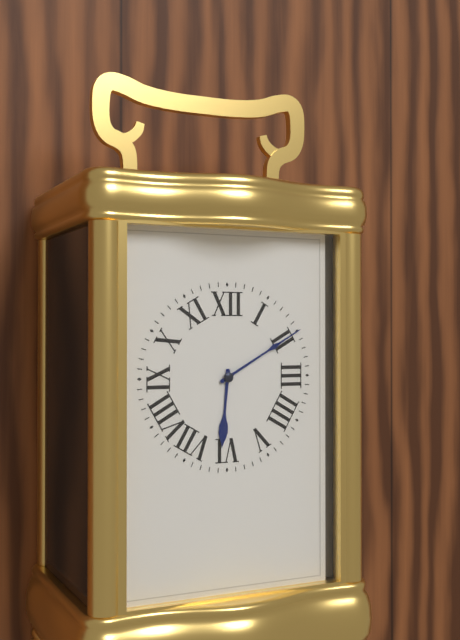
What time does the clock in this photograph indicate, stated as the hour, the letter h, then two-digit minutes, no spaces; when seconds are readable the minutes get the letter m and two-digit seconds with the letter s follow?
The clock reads 6h10
